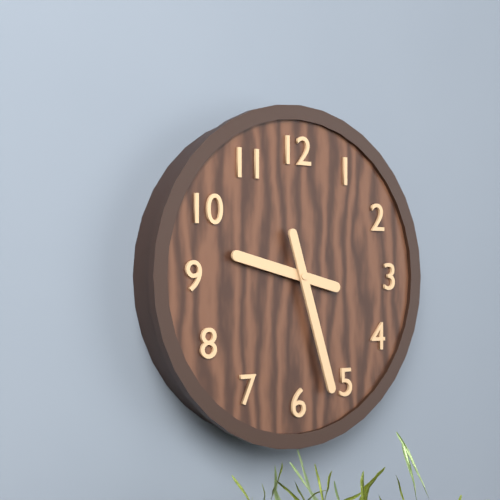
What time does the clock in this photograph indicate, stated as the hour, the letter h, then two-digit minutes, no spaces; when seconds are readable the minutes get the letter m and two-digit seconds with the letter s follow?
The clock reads 9h27
